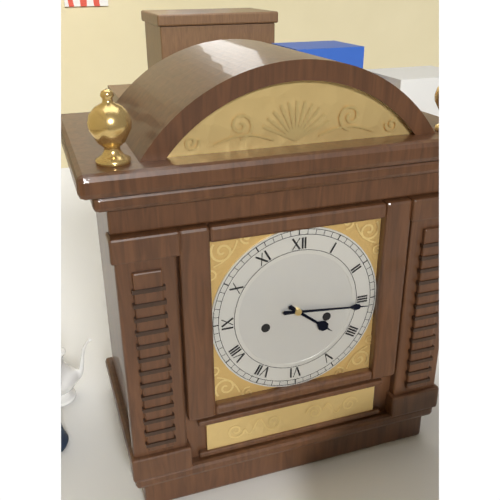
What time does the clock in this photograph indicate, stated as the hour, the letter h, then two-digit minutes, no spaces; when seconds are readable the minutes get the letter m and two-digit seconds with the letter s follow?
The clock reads 4h16
